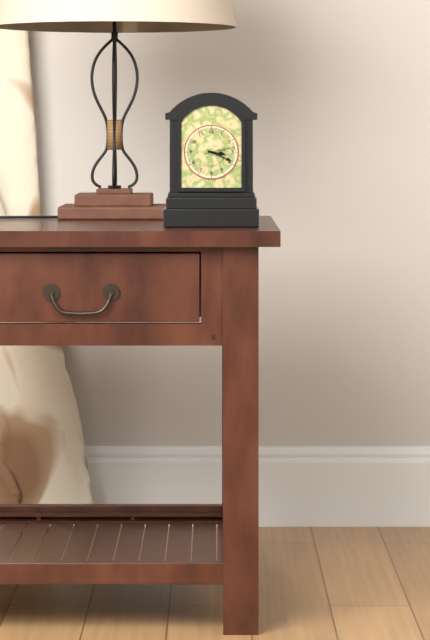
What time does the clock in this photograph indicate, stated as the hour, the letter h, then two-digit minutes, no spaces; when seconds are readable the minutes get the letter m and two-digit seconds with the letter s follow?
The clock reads 3h19
